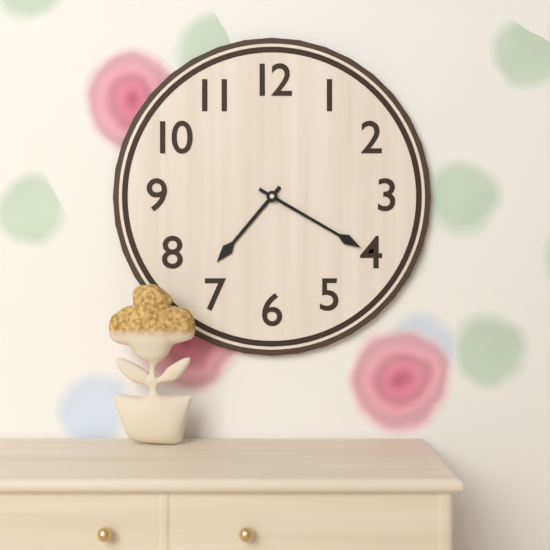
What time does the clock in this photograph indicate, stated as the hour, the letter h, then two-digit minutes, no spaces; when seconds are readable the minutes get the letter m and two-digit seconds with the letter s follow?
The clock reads 7h20
